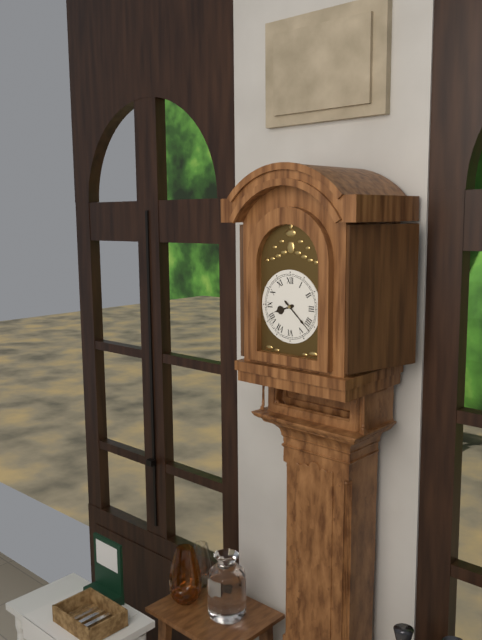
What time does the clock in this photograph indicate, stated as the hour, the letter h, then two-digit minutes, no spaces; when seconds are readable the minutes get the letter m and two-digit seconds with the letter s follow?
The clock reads 8h22
